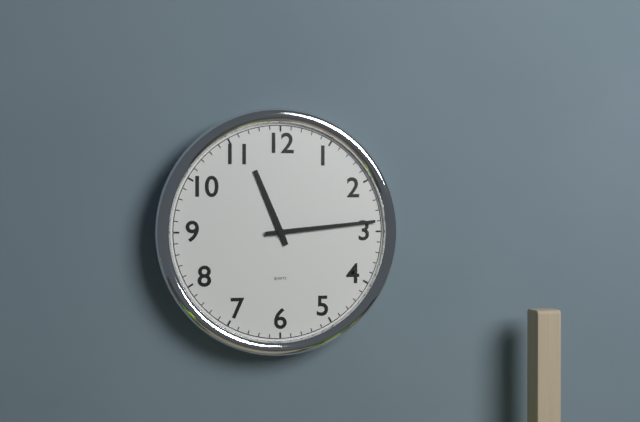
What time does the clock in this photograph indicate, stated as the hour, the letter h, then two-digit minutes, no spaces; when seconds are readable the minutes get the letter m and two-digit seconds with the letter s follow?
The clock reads 11h14
